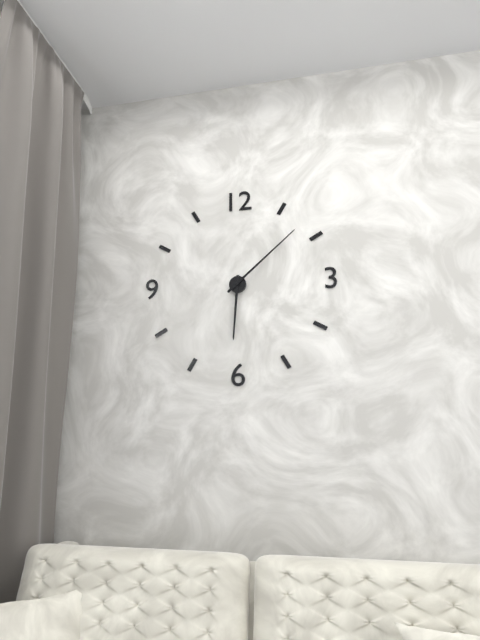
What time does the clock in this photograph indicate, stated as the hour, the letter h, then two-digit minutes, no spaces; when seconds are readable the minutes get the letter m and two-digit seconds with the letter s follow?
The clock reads 6h08
